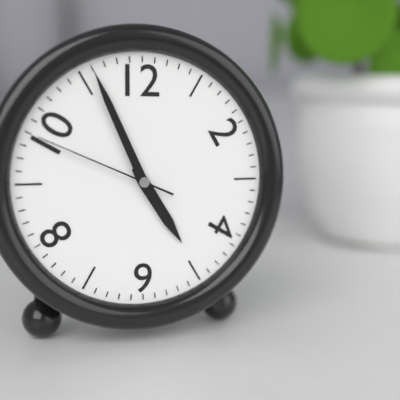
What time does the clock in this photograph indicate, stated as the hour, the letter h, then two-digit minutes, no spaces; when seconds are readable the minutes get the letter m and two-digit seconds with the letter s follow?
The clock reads 4h56m49s
